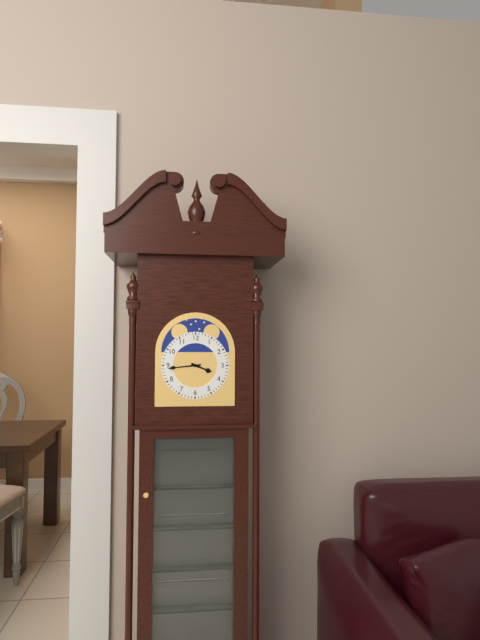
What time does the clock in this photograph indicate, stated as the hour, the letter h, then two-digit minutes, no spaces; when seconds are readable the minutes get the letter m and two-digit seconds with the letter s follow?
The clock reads 3h44
